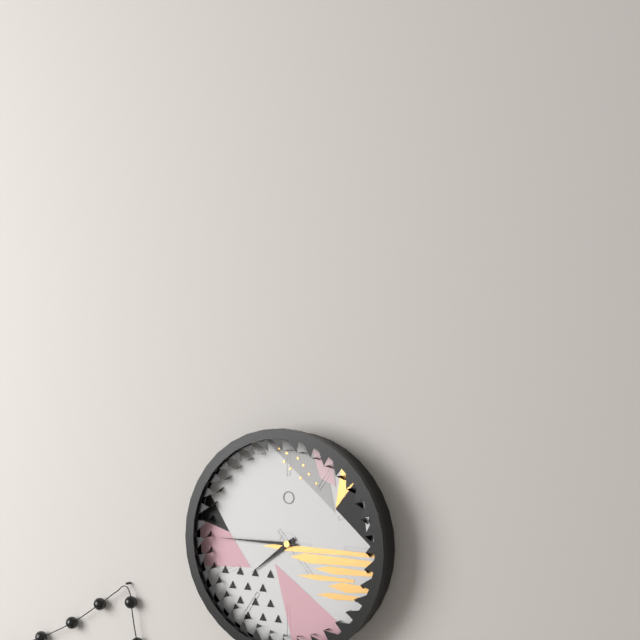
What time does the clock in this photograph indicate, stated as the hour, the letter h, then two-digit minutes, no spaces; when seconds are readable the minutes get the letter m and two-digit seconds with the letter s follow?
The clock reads 7h45
